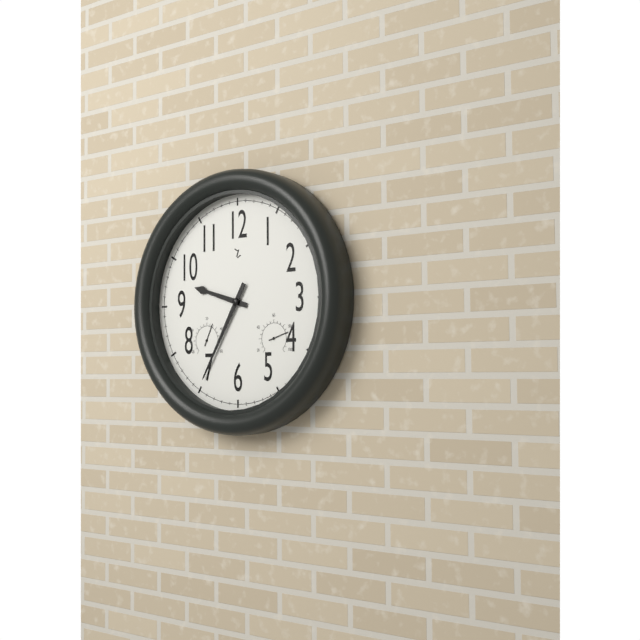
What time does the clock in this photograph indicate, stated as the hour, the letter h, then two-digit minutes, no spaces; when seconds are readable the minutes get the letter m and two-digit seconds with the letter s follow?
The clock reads 9h35
